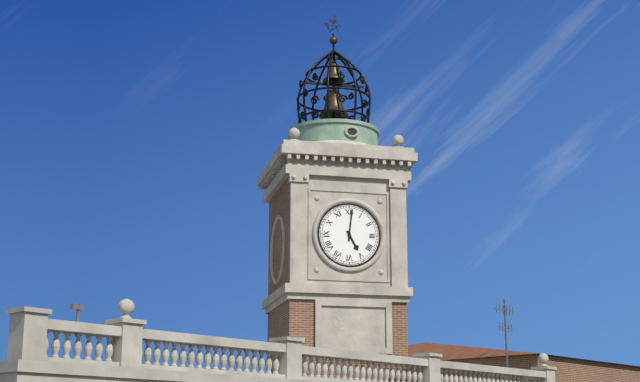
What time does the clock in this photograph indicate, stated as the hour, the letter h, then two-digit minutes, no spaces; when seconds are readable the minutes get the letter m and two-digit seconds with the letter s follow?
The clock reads 5h01
